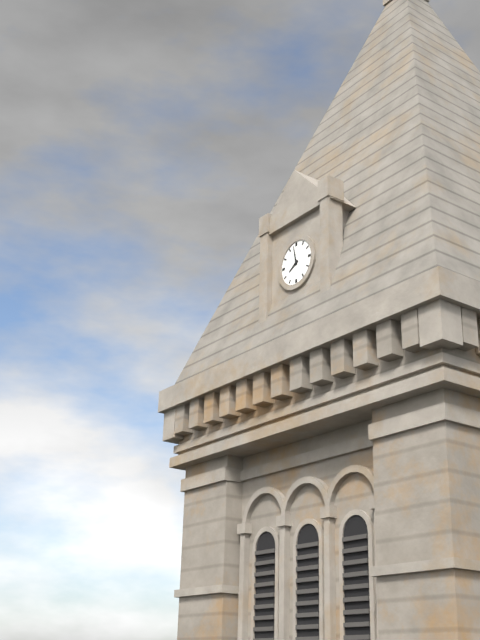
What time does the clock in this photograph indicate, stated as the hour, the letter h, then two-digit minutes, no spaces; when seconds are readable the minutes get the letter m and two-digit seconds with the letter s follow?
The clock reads 7h58
